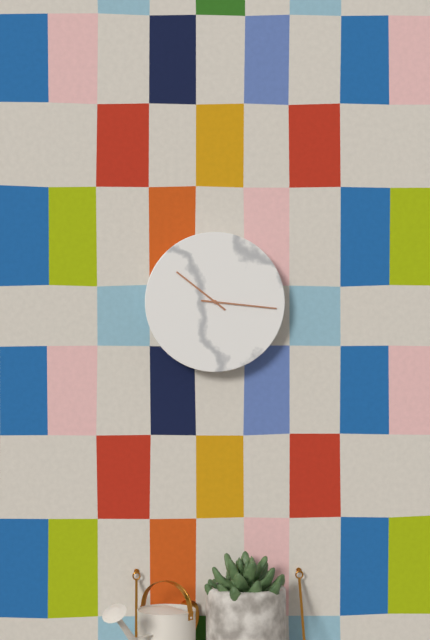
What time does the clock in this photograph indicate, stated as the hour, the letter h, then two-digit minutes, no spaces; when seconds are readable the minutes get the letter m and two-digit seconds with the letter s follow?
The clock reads 10h16
